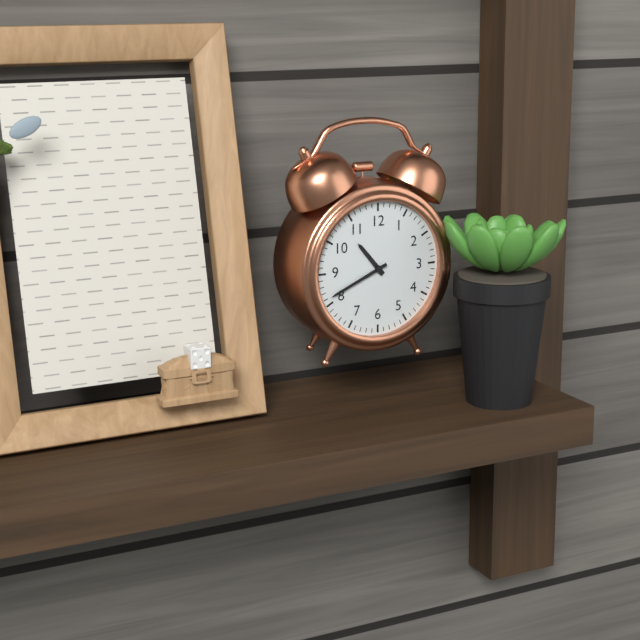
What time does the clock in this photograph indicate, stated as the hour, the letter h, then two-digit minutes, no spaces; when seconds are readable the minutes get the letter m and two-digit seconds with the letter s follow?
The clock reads 10h41
